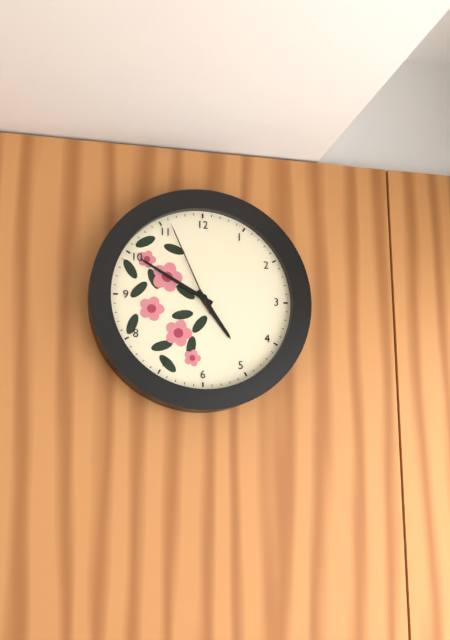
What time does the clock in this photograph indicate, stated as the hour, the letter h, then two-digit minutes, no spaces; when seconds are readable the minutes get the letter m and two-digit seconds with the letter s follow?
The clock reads 4h50m56s
